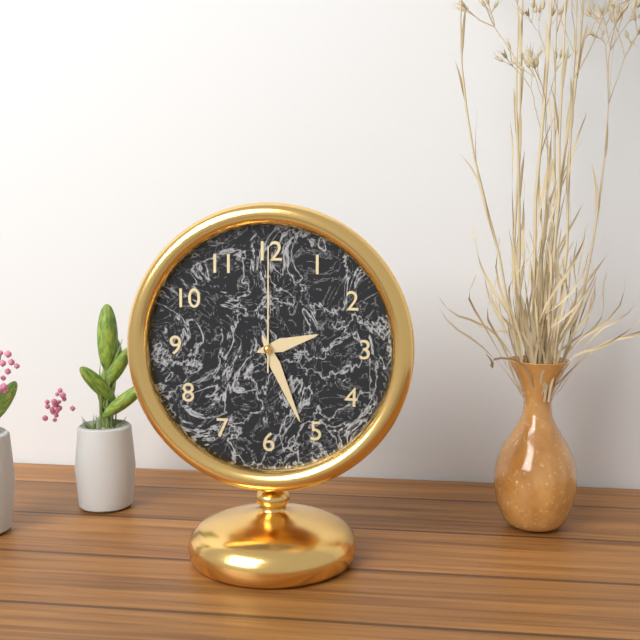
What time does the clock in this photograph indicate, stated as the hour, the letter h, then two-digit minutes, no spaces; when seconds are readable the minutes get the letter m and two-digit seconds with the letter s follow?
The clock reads 2h26m00s
